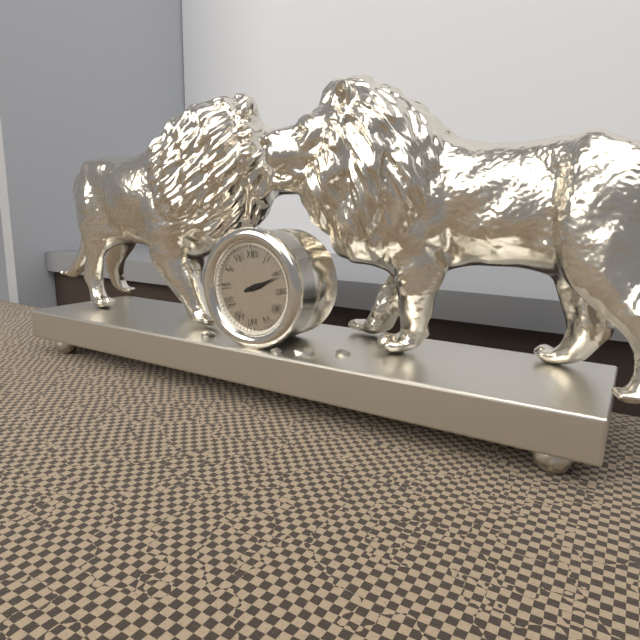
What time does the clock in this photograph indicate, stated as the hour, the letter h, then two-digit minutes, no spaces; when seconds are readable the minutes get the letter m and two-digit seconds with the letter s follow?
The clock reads 2h11
